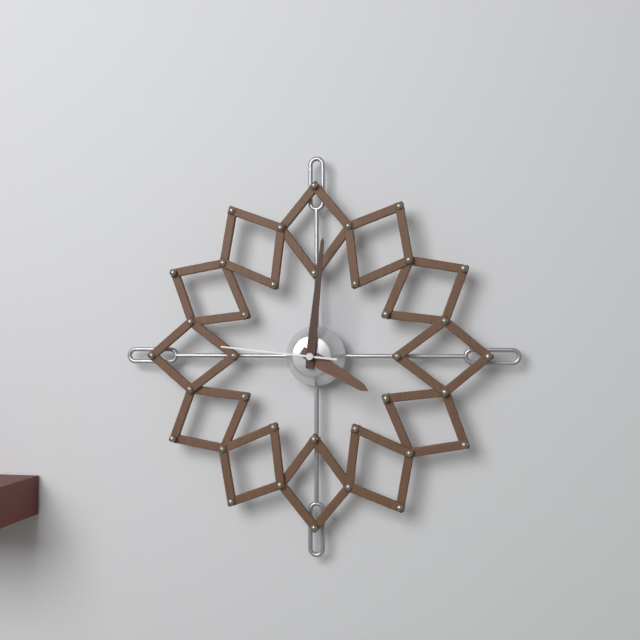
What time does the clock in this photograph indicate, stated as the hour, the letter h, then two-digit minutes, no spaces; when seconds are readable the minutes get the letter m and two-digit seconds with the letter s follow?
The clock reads 4h01m46s
